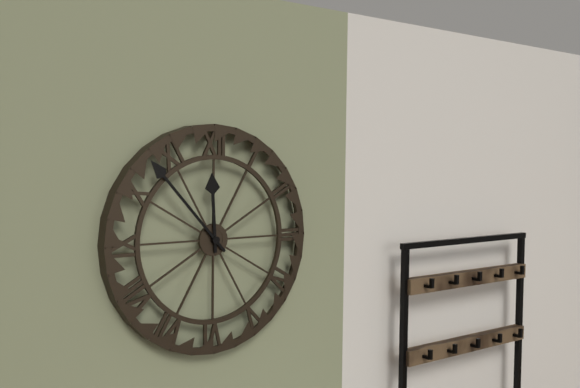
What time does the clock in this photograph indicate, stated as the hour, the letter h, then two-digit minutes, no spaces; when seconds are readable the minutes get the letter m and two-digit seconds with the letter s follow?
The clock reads 11h53
